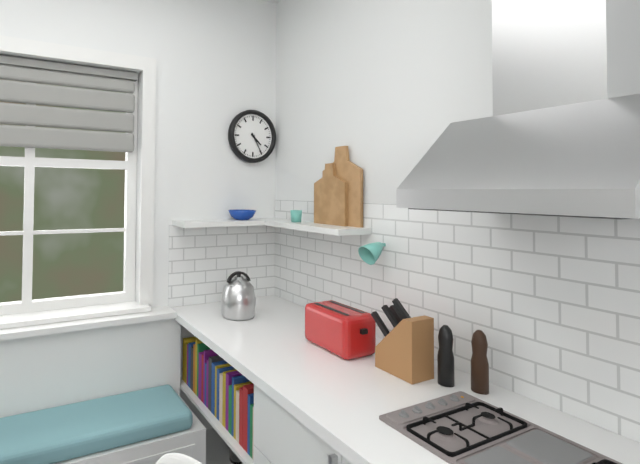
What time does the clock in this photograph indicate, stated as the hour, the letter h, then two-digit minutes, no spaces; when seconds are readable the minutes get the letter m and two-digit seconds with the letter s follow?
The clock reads 4h25
